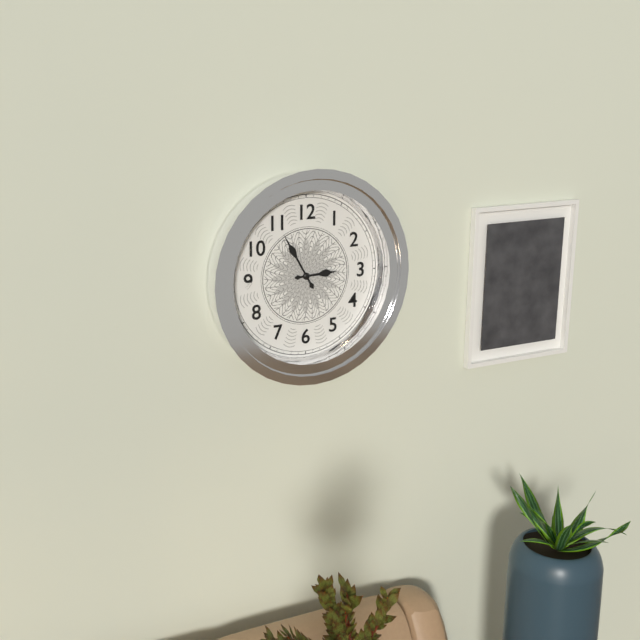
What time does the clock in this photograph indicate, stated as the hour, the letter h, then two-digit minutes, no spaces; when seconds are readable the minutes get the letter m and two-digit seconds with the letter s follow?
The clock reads 2h55
